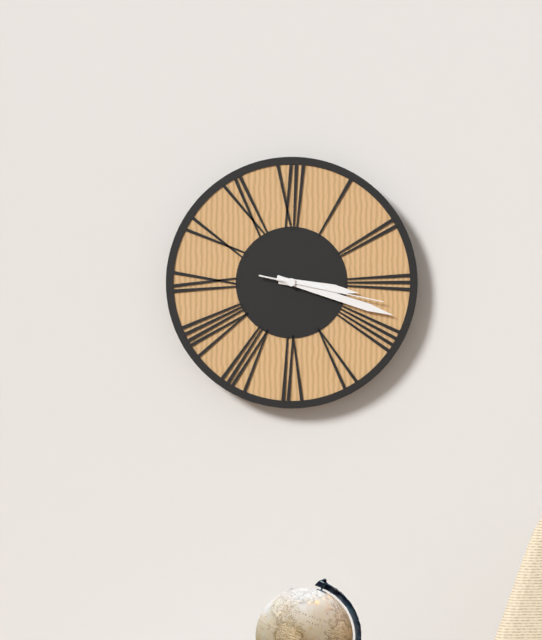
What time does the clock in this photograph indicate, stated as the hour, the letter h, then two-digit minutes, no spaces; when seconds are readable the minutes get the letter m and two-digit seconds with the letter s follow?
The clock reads 3h18m17s
